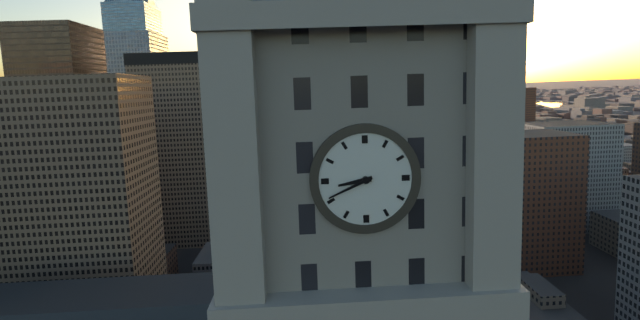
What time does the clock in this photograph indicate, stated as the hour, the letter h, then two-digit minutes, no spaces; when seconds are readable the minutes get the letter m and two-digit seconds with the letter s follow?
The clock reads 8h41
